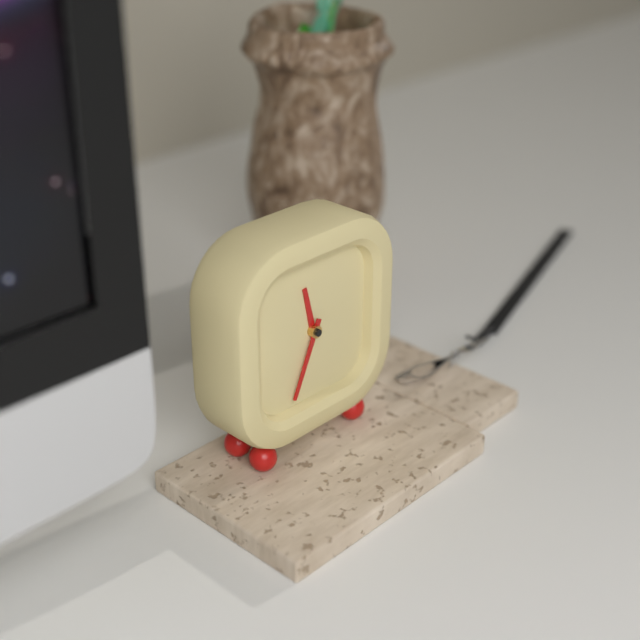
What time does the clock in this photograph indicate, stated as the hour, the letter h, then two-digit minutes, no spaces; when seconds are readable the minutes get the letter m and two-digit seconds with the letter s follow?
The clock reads 11h34
